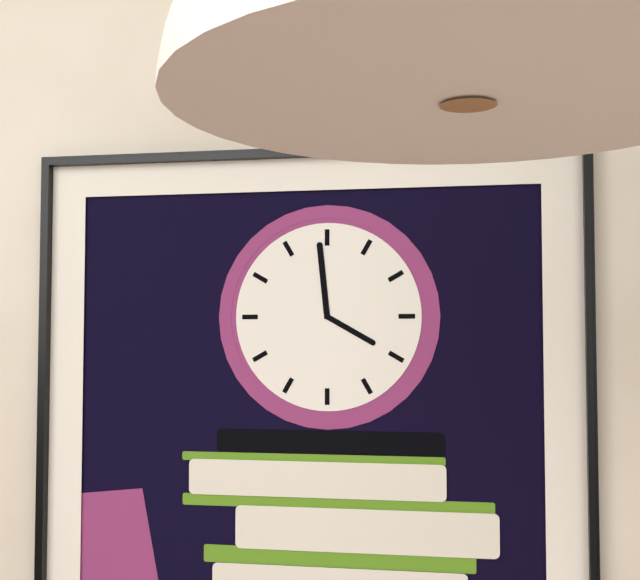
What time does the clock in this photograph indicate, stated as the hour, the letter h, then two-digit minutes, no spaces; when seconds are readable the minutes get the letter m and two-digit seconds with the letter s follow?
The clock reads 3h59
